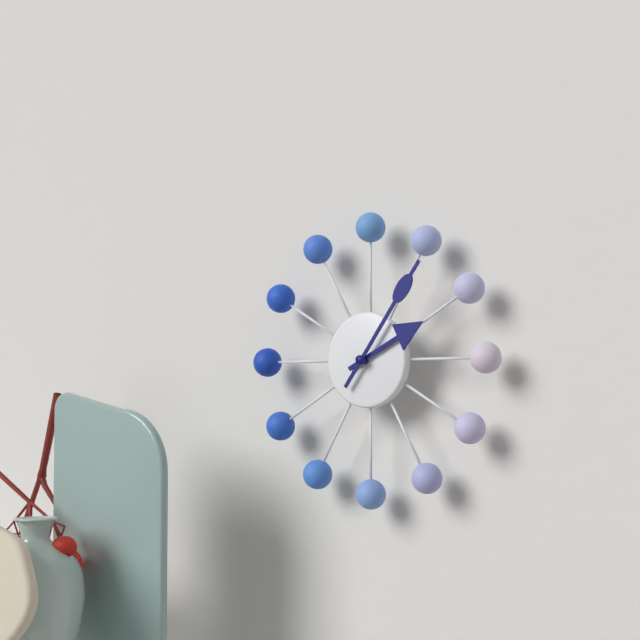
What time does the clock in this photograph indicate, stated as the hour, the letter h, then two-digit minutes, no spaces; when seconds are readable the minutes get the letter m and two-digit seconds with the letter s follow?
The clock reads 2h06
